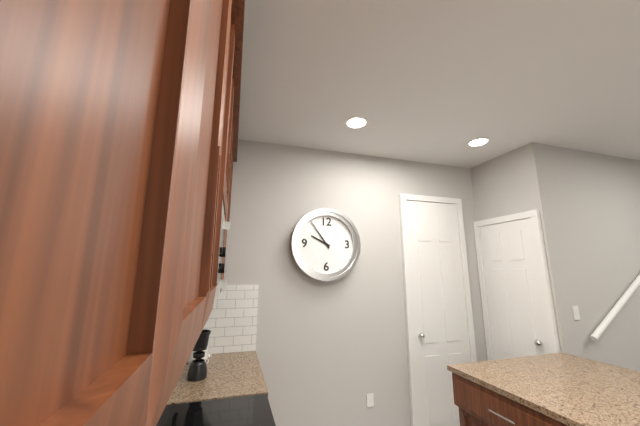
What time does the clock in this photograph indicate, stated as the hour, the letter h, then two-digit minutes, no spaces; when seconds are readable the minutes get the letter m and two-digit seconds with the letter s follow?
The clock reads 9h54
